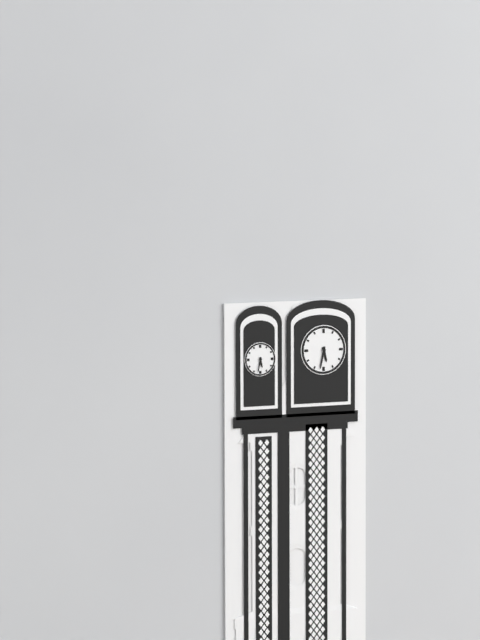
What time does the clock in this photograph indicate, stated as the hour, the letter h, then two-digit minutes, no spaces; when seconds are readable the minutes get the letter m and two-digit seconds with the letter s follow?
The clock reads 5h32
